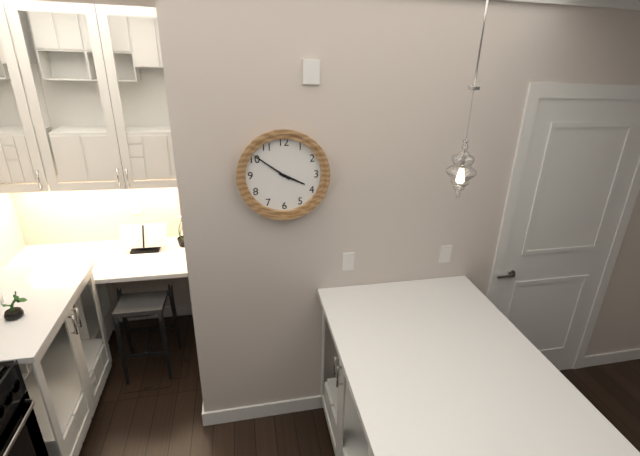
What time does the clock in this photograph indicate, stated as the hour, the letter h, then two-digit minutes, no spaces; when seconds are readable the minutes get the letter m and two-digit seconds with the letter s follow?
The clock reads 3h51
